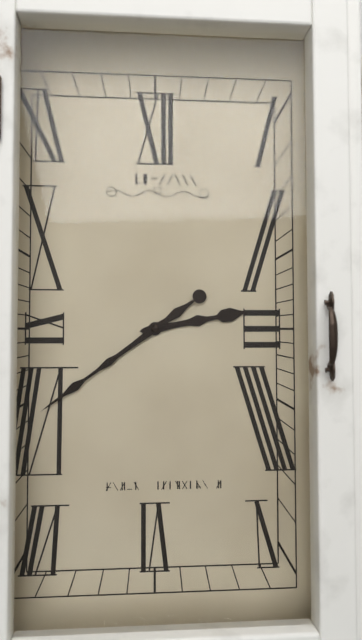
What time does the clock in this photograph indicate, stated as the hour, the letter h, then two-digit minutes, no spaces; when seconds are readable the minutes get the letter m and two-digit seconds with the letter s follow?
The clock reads 2h39
